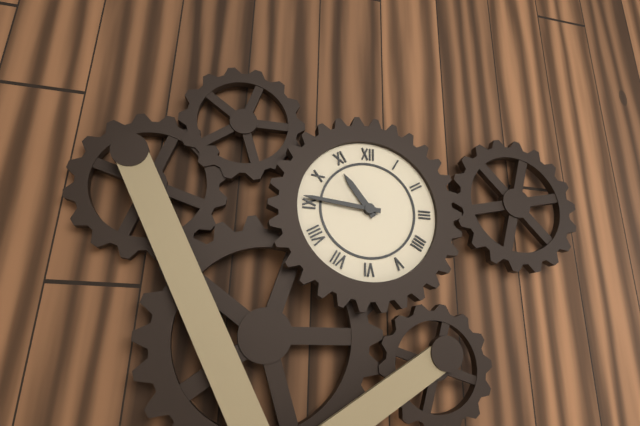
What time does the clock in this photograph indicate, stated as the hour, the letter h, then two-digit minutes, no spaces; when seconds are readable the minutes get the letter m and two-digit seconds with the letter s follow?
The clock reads 10h46
